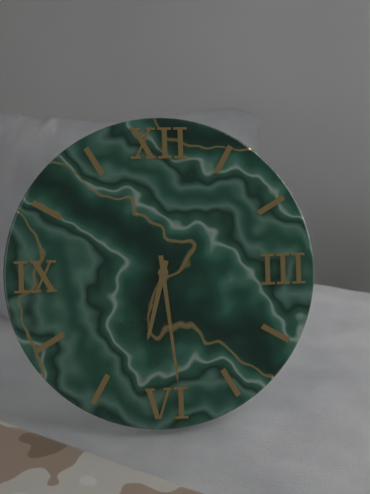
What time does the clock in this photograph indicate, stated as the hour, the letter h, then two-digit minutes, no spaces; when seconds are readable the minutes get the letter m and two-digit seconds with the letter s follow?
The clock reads 6h29
